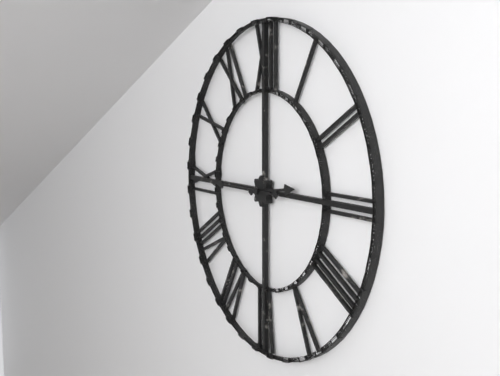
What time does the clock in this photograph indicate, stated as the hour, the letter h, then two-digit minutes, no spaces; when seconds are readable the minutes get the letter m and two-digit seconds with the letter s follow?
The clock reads 2h45
